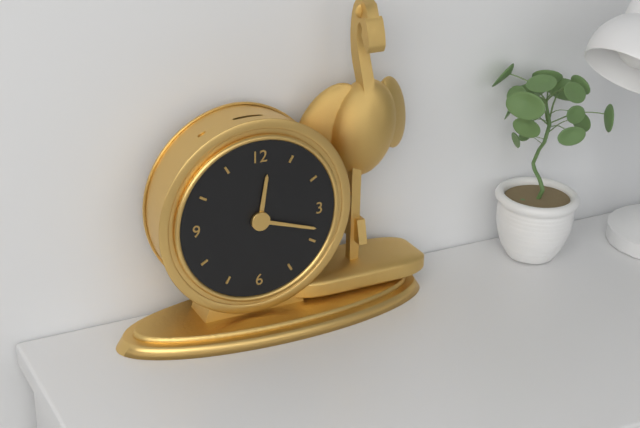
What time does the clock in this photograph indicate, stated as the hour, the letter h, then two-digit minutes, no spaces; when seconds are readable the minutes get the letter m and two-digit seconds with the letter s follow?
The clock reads 12h18
